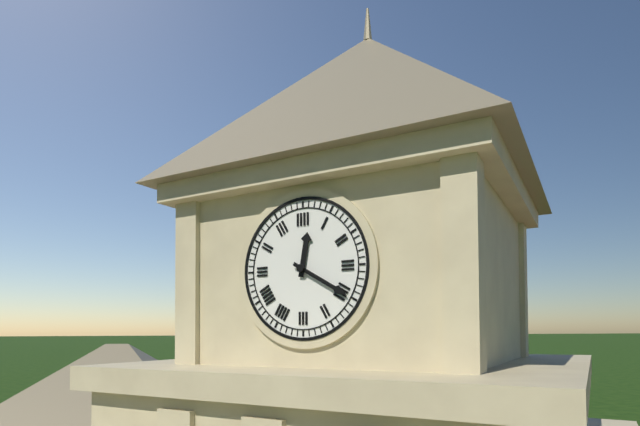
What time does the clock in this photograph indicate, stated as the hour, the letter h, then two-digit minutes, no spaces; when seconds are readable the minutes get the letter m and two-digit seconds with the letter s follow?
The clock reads 12h20
